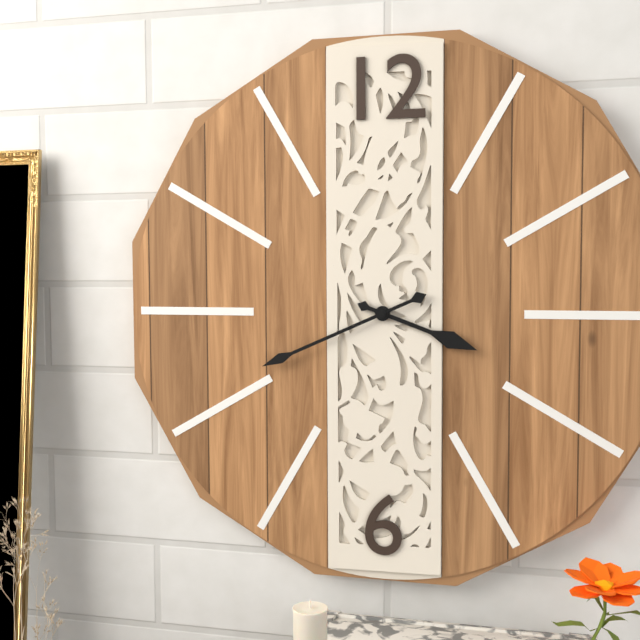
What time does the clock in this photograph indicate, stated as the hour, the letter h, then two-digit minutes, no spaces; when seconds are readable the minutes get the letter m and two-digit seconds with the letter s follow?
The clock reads 3h41
